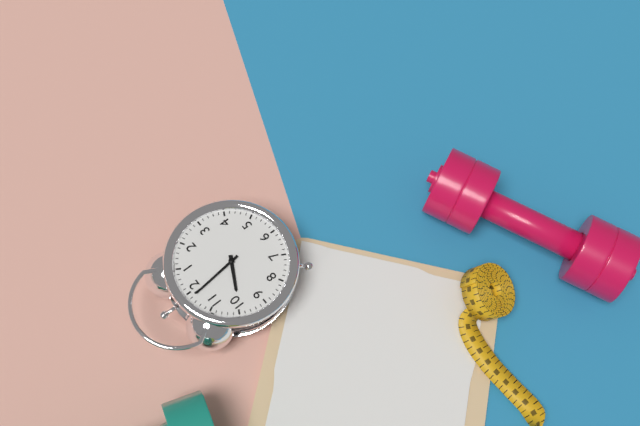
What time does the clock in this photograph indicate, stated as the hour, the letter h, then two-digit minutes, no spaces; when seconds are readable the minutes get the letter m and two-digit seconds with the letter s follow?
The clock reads 9h59
